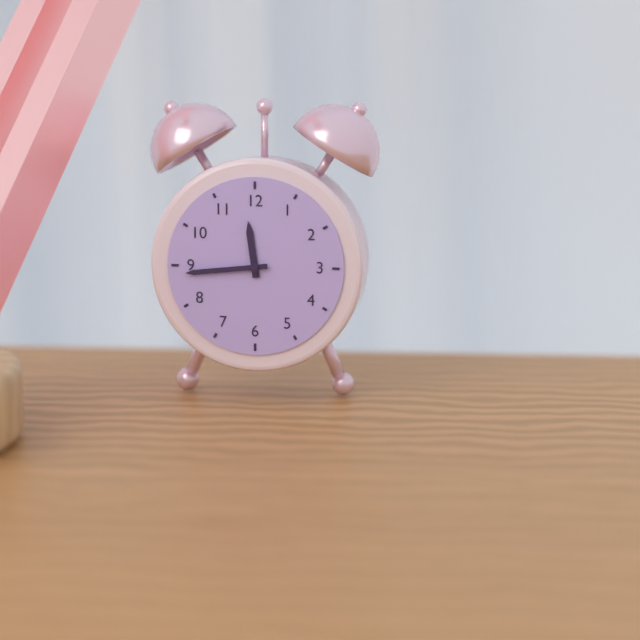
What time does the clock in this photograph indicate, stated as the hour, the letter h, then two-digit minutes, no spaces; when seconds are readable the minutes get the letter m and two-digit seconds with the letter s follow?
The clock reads 11h44
